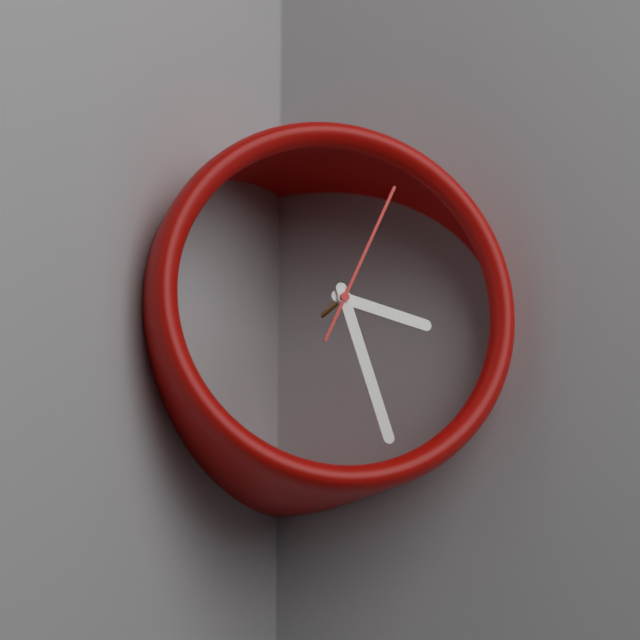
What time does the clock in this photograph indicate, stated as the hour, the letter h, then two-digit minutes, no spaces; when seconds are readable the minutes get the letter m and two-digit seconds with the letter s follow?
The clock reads 3h27m04s
